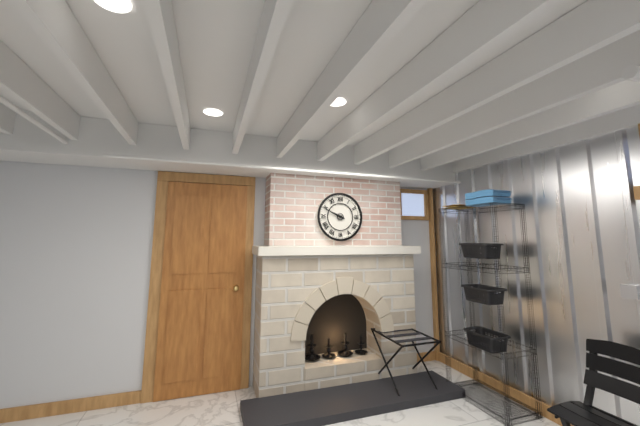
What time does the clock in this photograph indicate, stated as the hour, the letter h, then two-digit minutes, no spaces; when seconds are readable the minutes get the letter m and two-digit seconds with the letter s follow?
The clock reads 9h49
